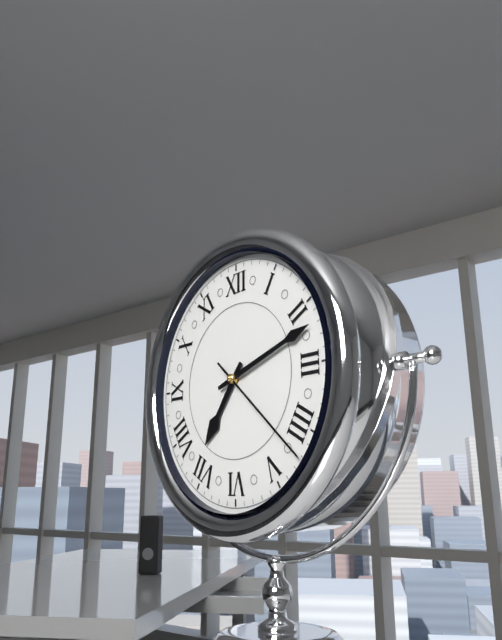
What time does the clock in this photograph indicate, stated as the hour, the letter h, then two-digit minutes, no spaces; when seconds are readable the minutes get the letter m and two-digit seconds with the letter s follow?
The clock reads 7h12m22s
